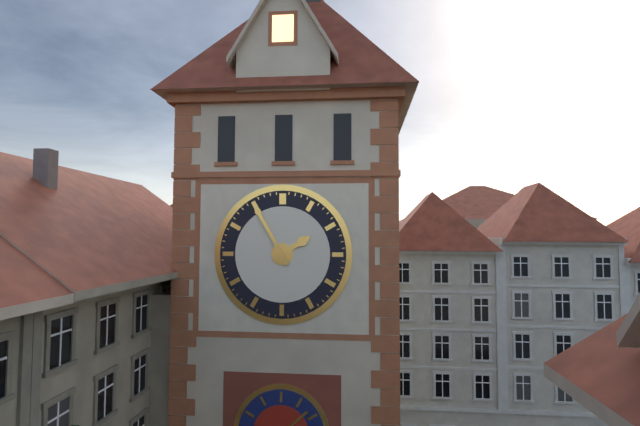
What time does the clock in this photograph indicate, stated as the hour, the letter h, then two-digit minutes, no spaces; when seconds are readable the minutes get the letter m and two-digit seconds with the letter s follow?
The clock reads 1h55
